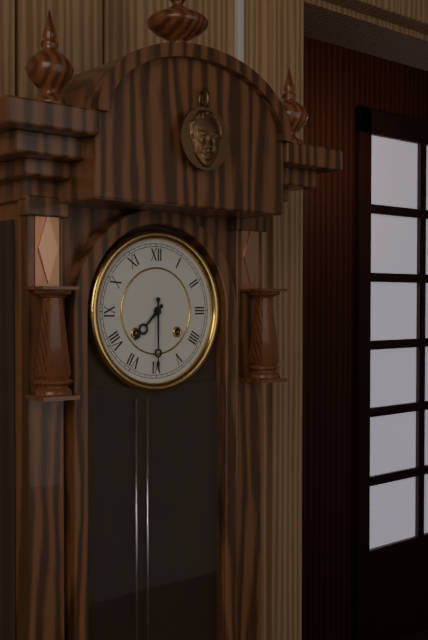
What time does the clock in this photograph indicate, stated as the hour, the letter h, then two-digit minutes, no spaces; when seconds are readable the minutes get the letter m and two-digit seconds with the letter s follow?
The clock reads 7h30
